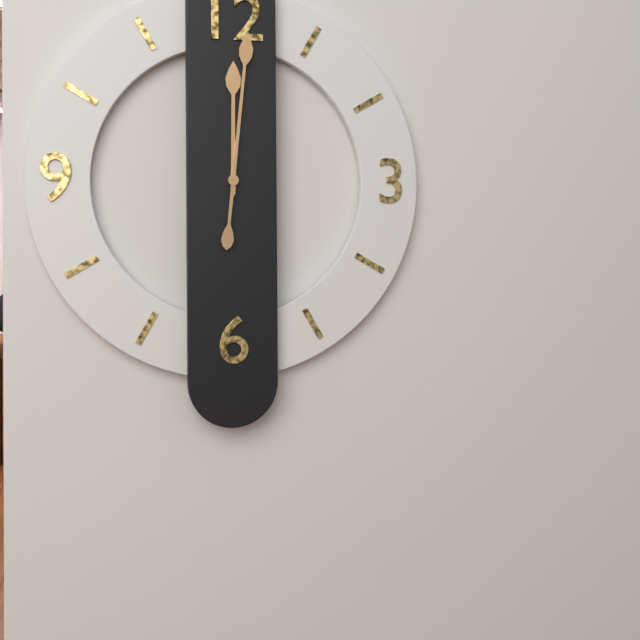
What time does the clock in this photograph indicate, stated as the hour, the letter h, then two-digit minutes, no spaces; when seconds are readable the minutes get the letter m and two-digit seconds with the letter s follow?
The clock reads 12h01
